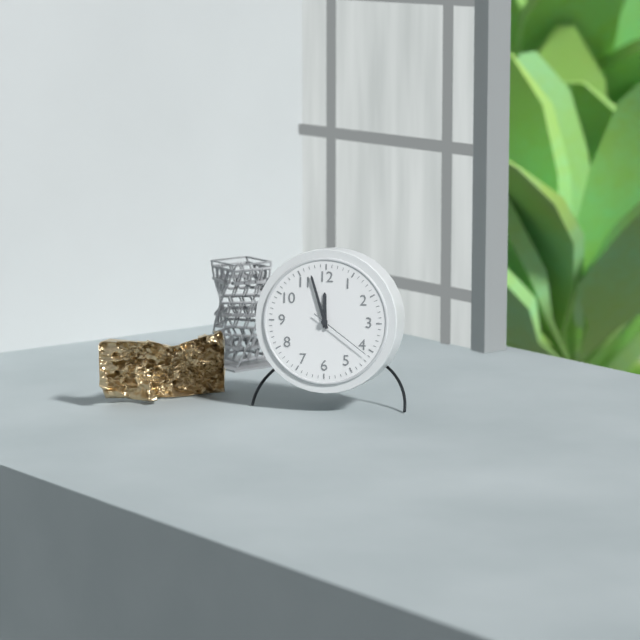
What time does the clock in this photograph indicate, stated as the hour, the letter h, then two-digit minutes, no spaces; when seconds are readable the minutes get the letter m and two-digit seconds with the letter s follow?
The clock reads 11h57m21s
